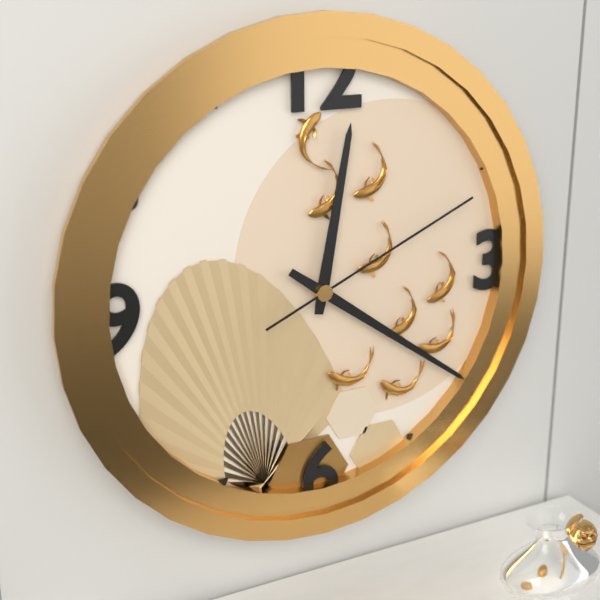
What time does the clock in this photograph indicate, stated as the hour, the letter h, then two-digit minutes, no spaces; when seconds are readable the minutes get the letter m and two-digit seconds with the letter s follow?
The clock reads 12h21m11s
